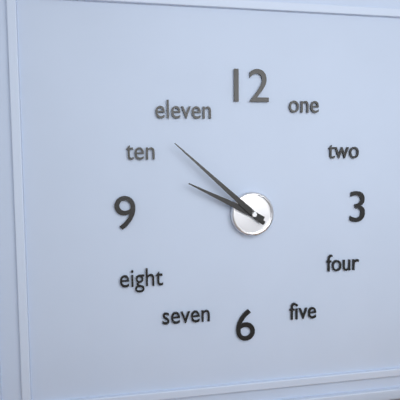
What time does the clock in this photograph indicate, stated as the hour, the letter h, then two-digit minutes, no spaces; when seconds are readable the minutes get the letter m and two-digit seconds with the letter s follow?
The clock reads 9h52
